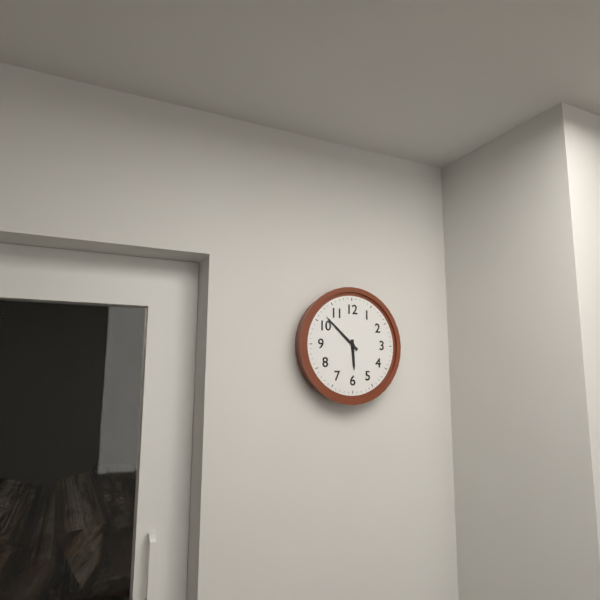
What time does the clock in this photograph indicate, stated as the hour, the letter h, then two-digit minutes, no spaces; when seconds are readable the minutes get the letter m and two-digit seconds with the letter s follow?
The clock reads 5h52
